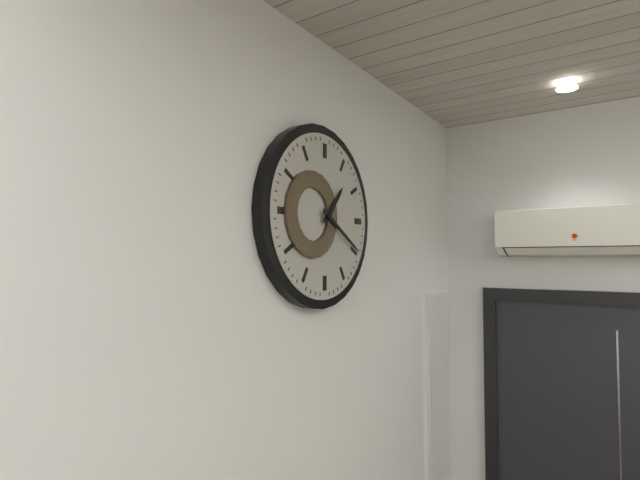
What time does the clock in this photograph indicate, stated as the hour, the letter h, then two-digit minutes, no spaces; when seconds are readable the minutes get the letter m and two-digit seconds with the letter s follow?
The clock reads 1h20
